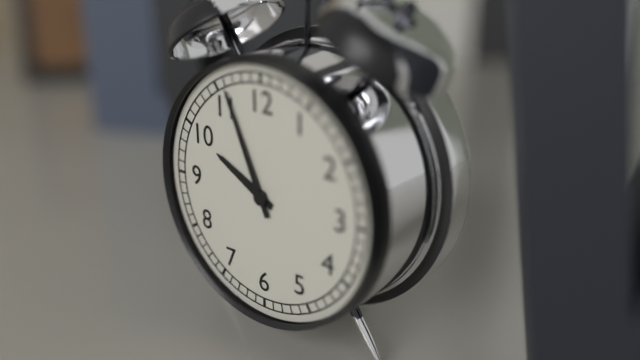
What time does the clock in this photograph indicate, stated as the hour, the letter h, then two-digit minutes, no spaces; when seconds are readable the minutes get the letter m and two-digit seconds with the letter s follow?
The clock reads 9h56
